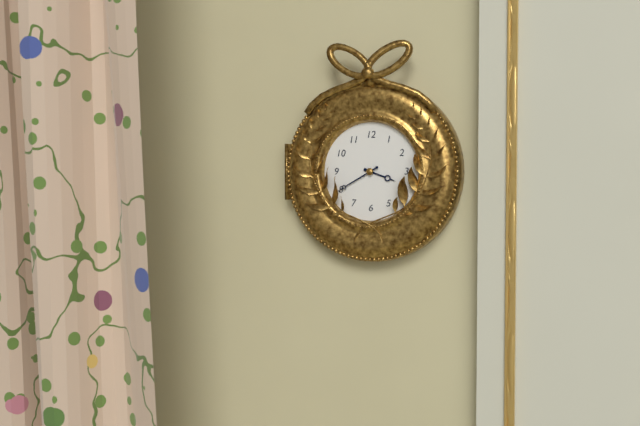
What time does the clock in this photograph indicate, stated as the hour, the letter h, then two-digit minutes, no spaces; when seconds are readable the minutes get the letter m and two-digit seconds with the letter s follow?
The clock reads 3h40
